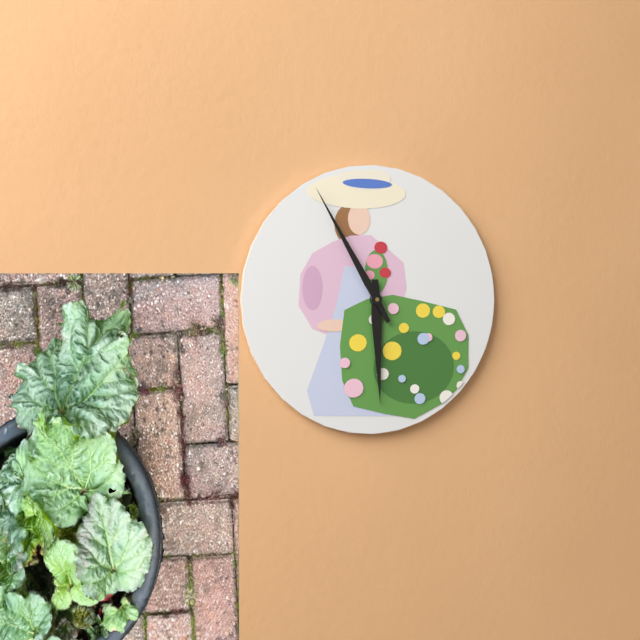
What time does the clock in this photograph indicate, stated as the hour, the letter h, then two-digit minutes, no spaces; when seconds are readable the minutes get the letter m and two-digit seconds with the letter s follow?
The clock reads 5h55
